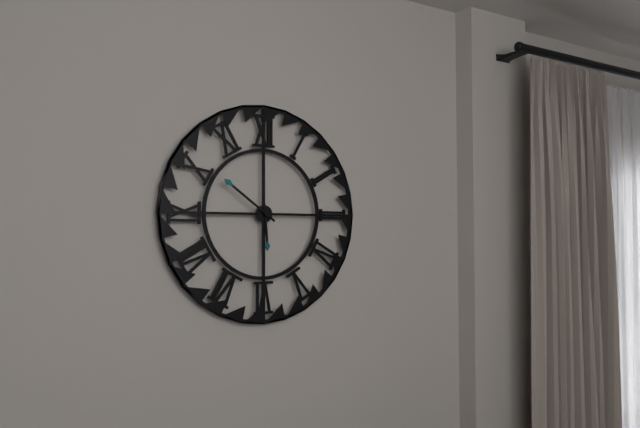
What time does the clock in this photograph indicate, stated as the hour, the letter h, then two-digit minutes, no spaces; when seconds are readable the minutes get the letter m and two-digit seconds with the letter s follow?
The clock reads 5h51
